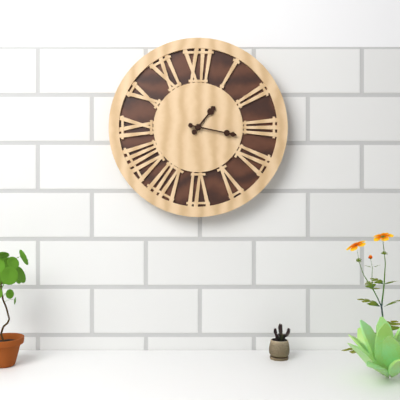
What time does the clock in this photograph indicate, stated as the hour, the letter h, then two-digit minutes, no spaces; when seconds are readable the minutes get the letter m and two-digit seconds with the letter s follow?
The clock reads 1h17
